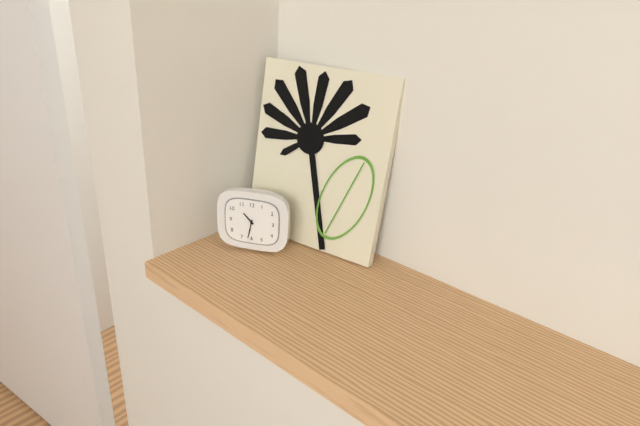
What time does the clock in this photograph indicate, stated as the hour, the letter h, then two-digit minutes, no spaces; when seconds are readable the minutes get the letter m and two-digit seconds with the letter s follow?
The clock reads 10h32
